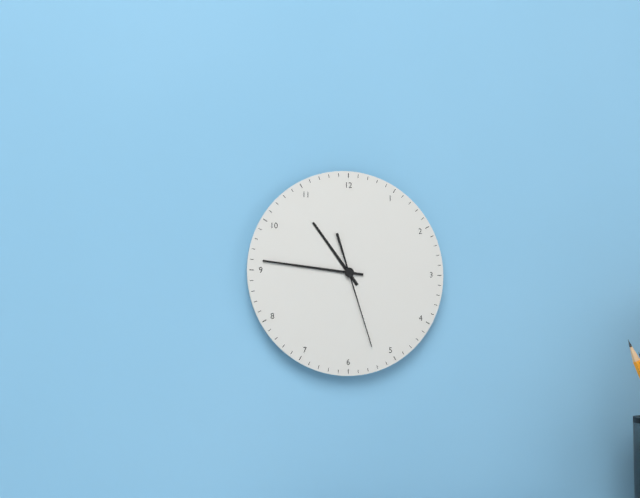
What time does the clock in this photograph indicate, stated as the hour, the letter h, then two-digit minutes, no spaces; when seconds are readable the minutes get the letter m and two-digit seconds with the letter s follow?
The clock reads 10h46m27s
